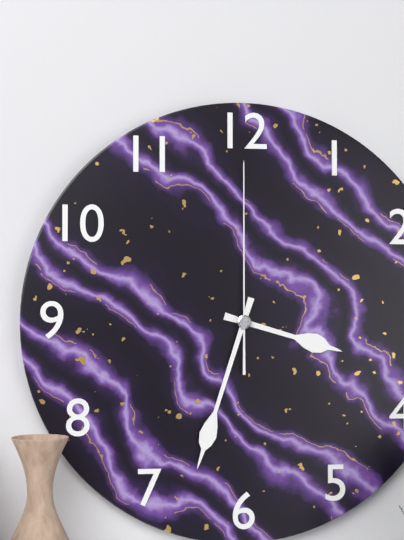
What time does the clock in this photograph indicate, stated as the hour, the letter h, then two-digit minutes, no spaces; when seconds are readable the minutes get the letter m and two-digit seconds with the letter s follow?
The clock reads 3h33m00s
